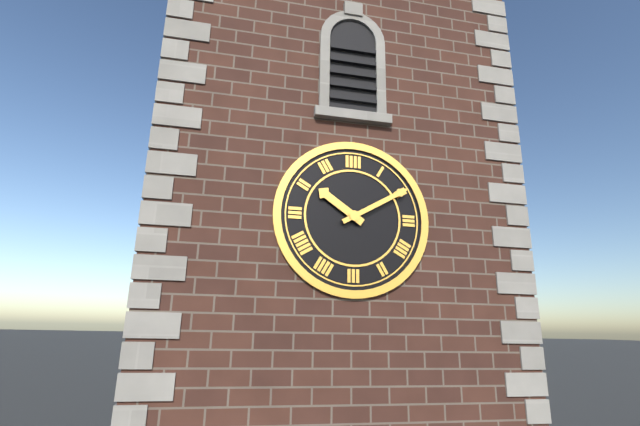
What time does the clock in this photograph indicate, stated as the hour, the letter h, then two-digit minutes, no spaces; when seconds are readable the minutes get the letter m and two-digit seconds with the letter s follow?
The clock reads 10h10
